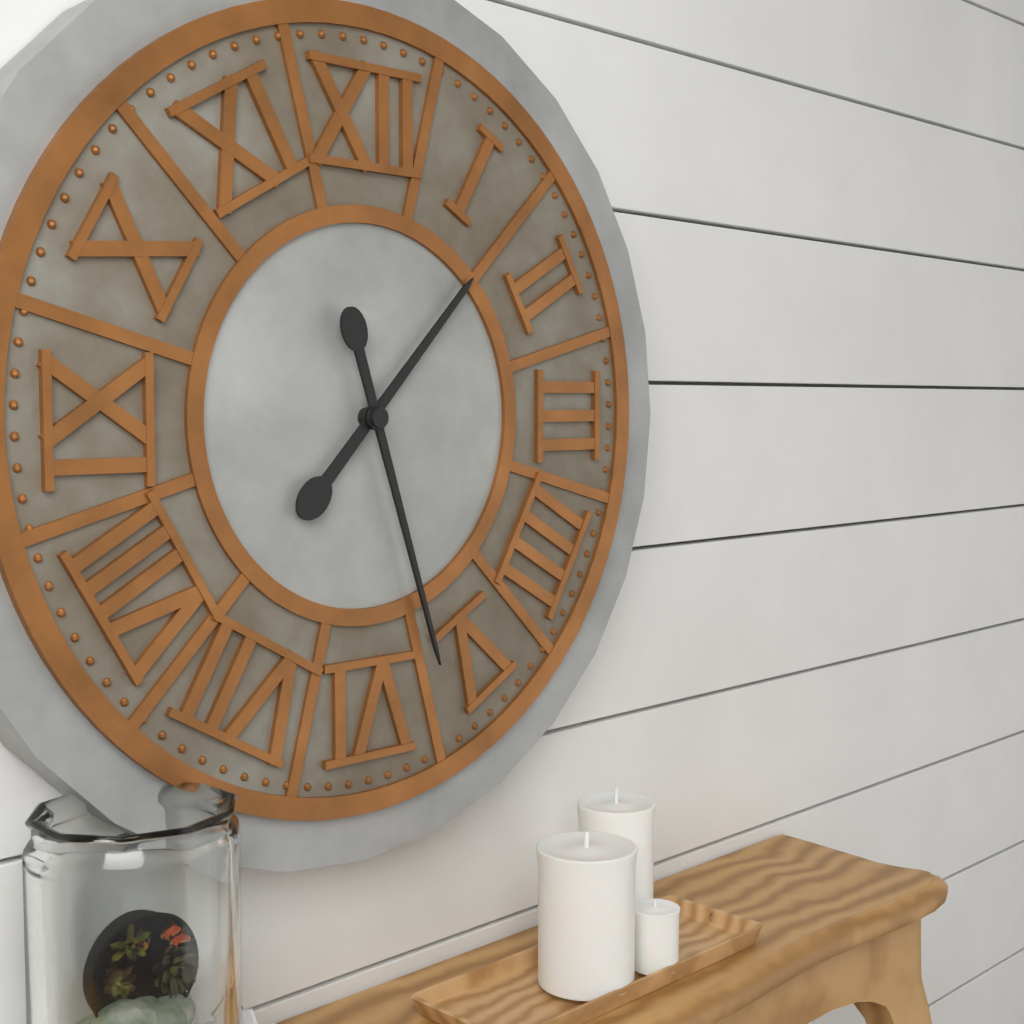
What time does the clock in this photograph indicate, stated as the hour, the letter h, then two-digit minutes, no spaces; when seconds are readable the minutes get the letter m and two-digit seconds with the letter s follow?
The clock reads 1h27
